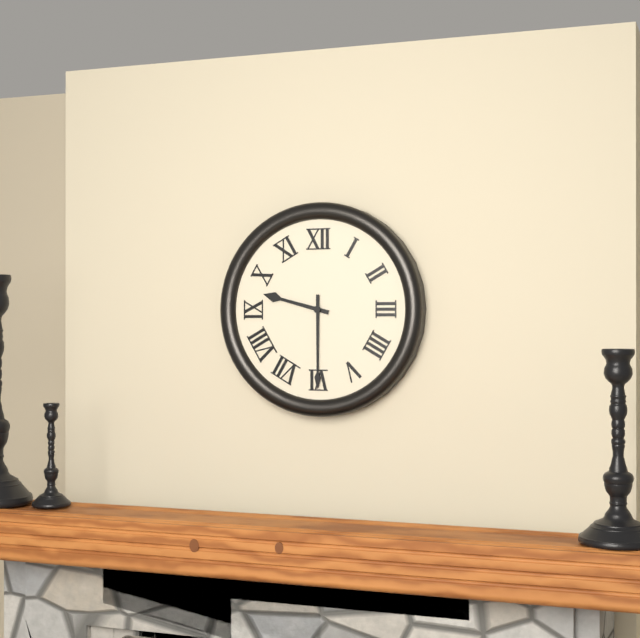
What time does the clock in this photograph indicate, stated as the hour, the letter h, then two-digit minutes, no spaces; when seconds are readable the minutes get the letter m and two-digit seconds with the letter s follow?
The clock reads 9h30
